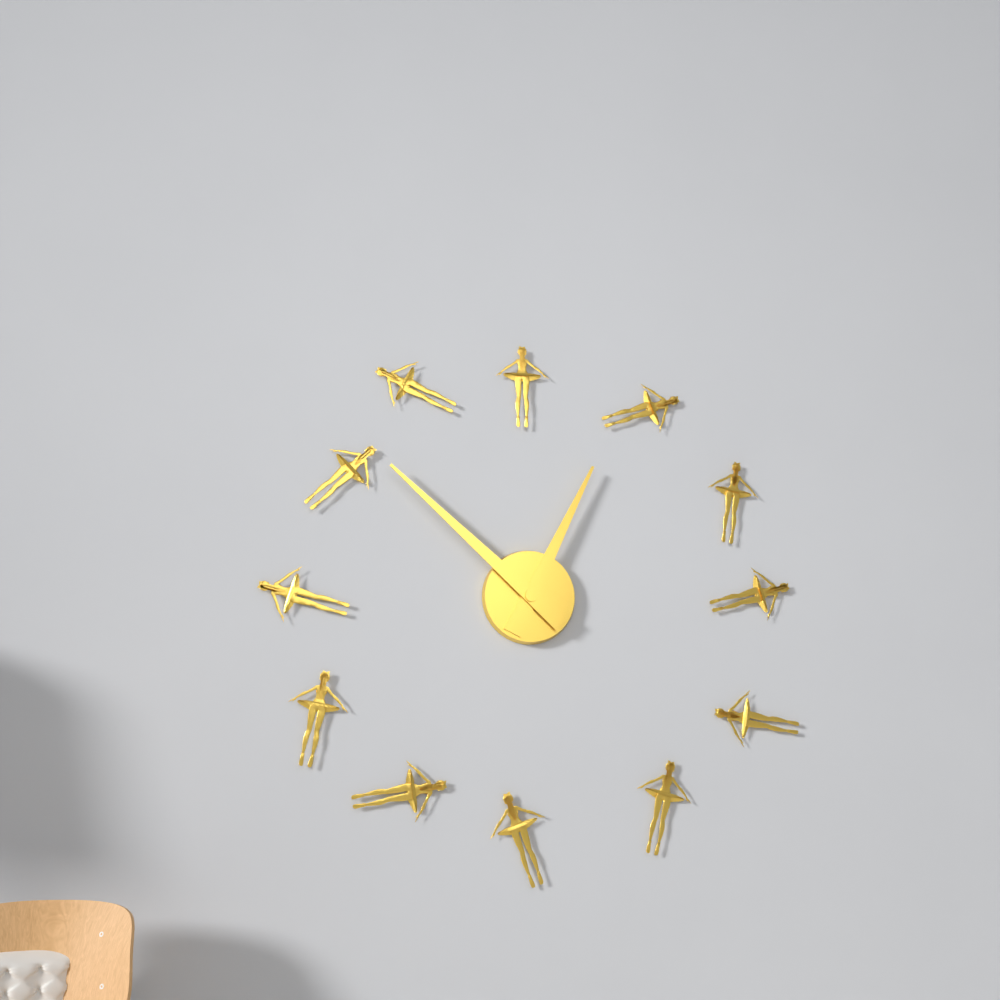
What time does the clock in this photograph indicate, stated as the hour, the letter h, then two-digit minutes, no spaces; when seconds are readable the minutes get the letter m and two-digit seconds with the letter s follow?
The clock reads 12h52
